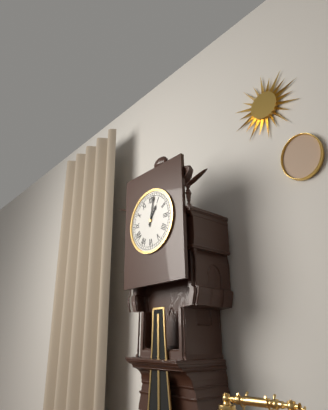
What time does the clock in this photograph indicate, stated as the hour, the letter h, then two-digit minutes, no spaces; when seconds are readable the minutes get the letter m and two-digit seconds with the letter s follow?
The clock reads 1h02
